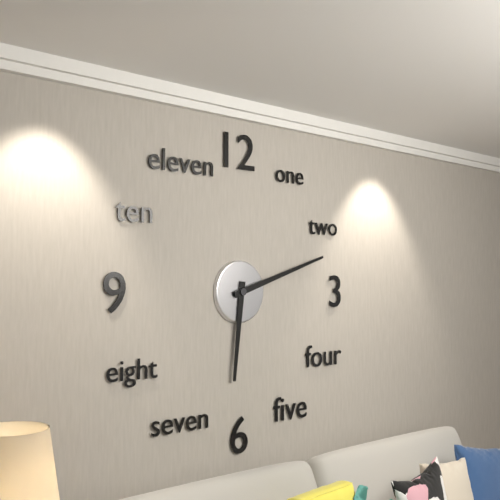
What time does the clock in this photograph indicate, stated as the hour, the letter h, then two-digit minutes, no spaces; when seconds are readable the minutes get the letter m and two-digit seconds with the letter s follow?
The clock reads 6h12
